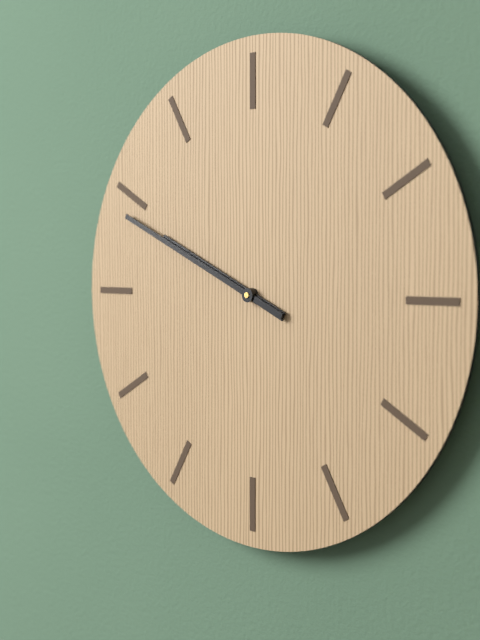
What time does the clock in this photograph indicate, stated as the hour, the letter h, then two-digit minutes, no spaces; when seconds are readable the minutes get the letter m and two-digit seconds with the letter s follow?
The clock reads 9h49
